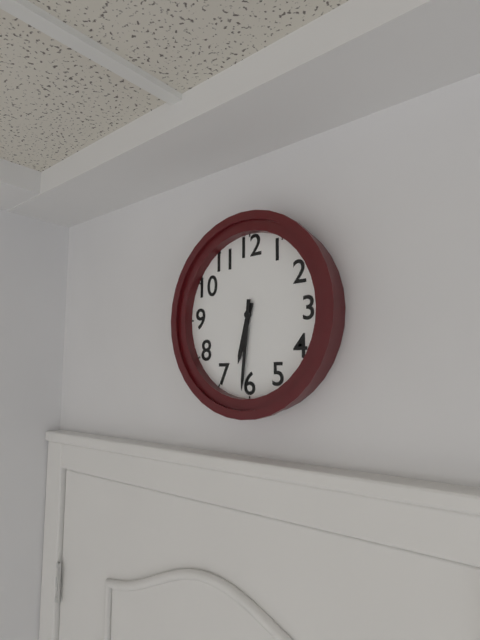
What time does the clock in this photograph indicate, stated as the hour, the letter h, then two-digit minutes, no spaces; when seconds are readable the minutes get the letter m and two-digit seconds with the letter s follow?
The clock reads 6h31
